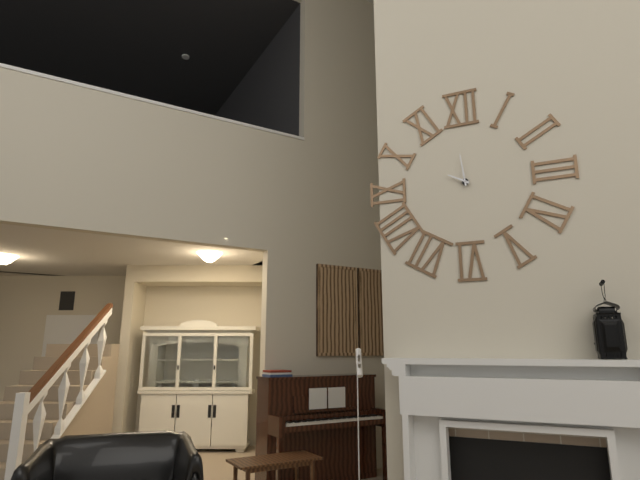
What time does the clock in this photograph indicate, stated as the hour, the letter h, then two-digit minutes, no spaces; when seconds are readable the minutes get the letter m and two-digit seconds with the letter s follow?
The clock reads 9h59
